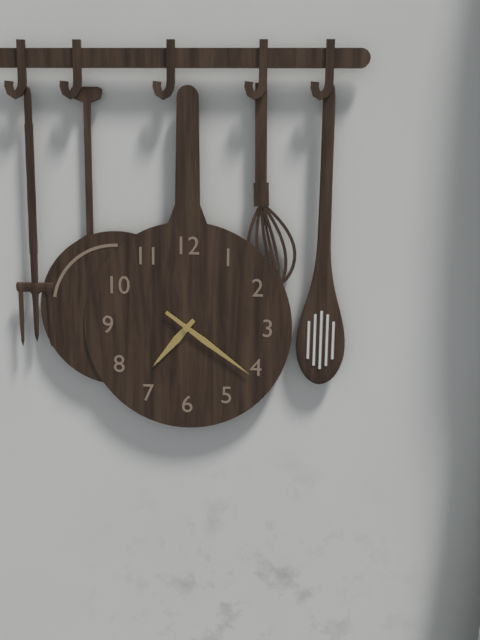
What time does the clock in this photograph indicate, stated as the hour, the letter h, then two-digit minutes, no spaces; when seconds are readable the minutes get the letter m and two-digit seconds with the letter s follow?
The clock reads 7h21
